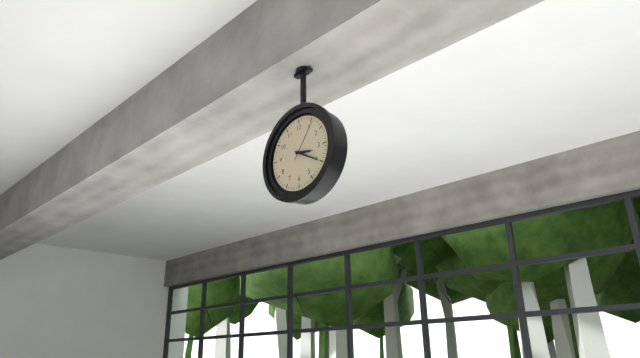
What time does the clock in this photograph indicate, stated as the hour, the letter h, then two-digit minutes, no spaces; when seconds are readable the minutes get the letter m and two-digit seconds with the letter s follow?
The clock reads 3h20
